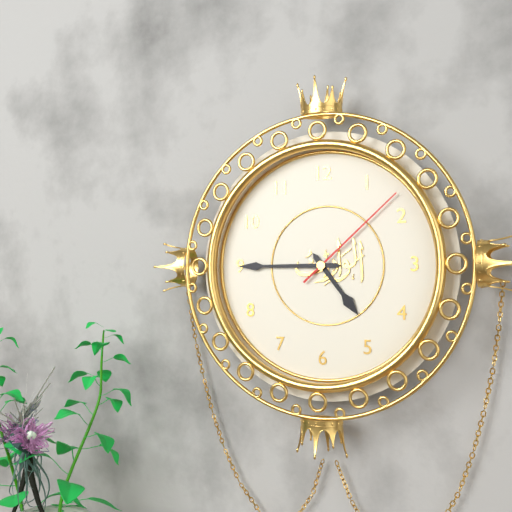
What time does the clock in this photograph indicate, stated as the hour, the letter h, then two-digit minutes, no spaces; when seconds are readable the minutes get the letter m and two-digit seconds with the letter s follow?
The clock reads 4h45m08s
